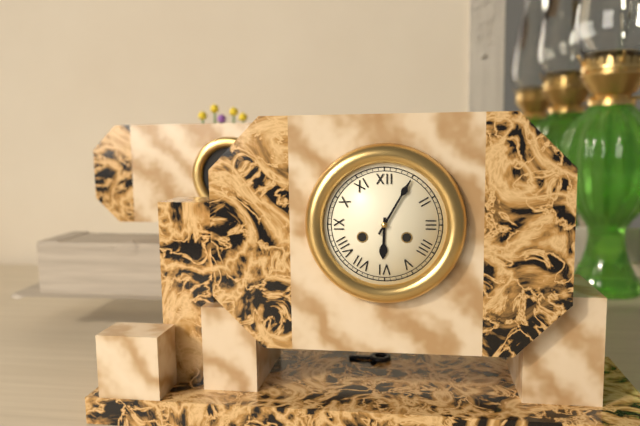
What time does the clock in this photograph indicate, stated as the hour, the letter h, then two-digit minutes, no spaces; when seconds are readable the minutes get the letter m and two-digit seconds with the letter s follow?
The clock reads 6h05
